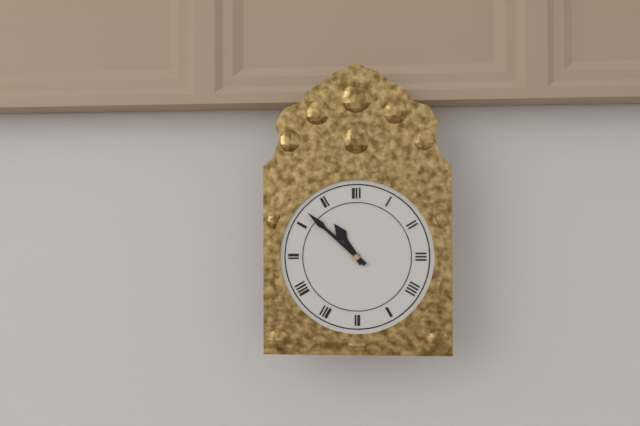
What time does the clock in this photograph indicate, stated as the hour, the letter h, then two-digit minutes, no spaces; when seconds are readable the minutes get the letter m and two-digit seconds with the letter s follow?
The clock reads 10h52
